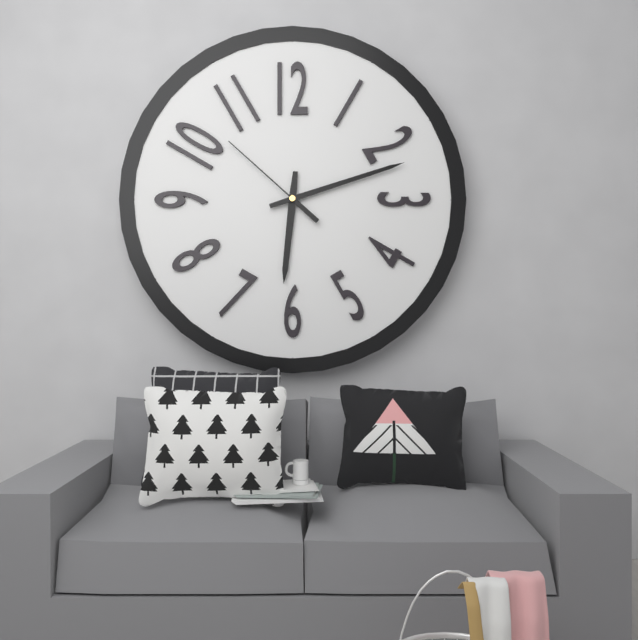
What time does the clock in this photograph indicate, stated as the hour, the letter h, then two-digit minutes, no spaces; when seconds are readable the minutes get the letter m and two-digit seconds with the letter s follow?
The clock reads 6h12m52s
